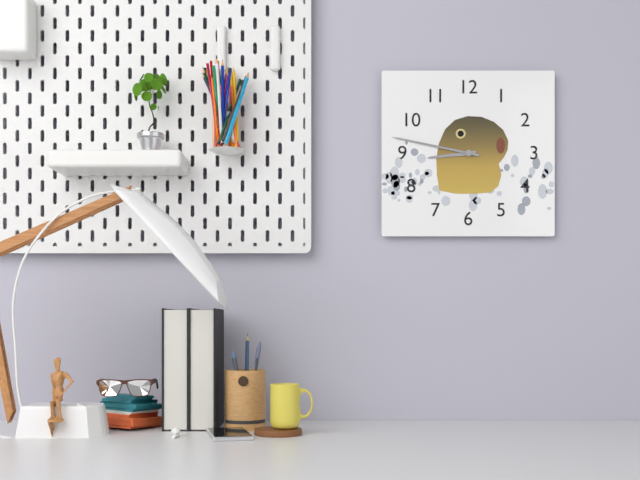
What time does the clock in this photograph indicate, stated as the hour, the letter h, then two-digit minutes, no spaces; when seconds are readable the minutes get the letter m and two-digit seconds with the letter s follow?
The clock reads 8h47
